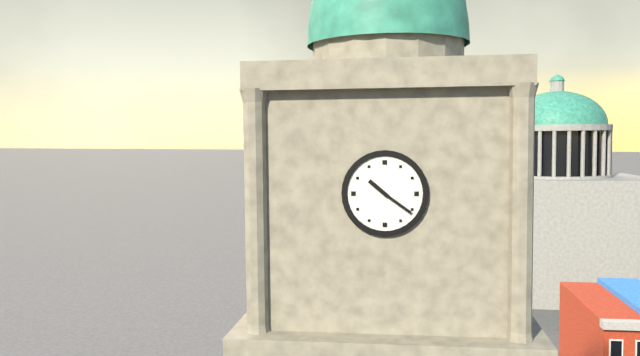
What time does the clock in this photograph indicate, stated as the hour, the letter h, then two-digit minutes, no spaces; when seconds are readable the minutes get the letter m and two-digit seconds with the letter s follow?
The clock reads 10h21
